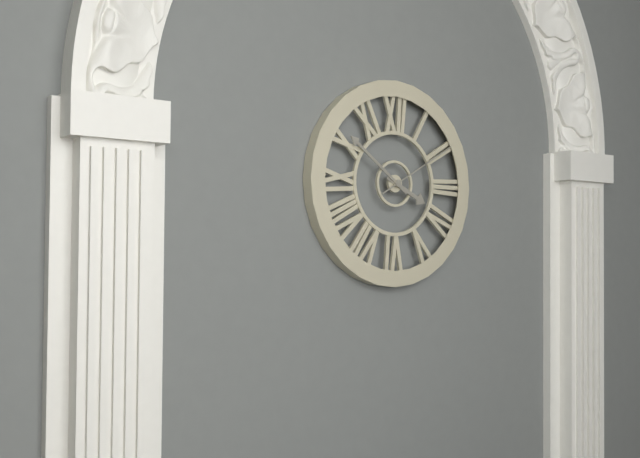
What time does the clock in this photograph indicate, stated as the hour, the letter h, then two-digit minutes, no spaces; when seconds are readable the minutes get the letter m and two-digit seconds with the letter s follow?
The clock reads 3h51m10s
